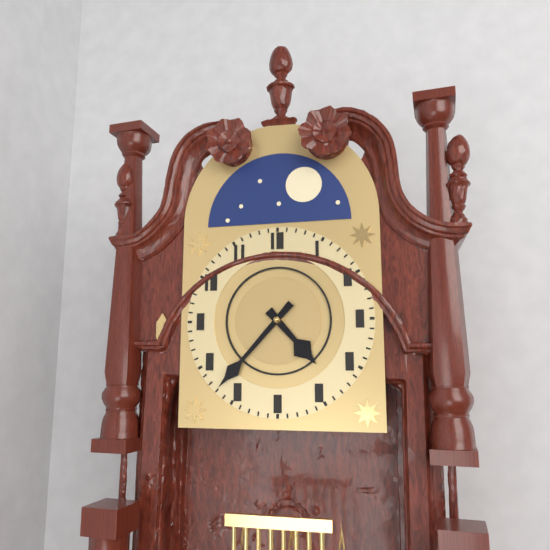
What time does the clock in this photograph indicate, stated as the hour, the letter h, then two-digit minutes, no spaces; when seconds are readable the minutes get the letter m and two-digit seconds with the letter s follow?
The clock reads 4h37
